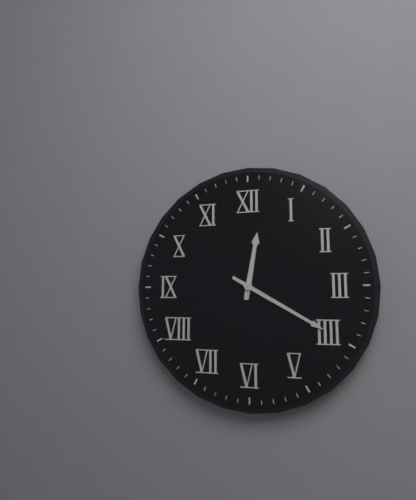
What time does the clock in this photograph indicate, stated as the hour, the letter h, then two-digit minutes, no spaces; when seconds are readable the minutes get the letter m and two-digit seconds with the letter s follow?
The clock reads 12h20
